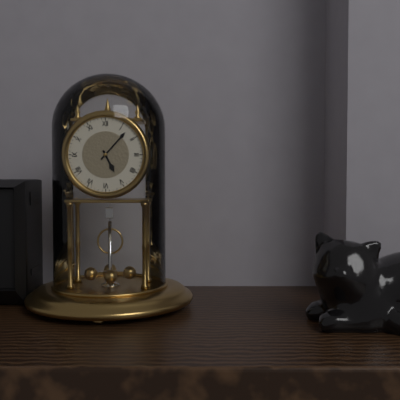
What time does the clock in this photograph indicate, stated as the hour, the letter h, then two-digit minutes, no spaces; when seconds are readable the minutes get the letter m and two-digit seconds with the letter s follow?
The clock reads 5h07
